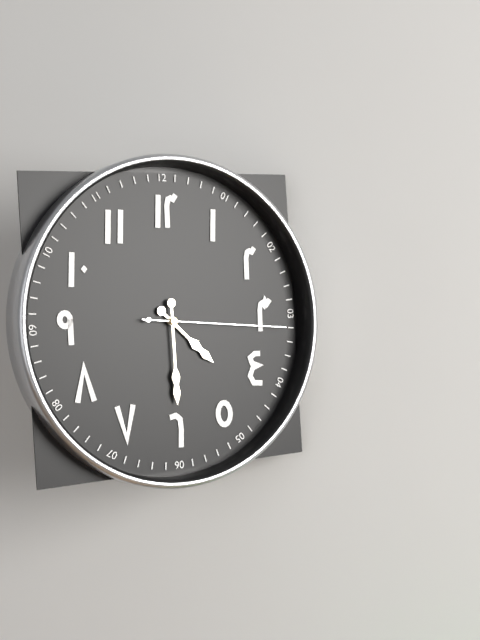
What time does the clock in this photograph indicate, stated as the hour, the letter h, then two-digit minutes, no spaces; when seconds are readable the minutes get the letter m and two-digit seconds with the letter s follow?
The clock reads 4h30m16s
